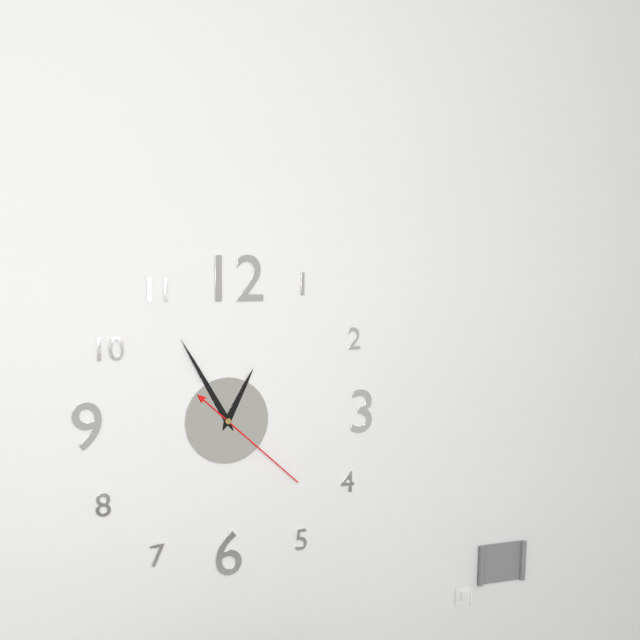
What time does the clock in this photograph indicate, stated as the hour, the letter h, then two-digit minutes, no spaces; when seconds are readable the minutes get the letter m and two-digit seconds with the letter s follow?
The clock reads 12h55m22s
